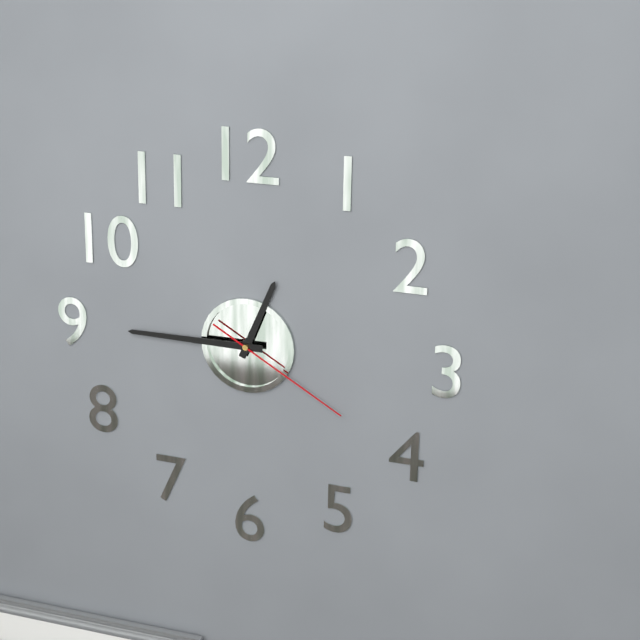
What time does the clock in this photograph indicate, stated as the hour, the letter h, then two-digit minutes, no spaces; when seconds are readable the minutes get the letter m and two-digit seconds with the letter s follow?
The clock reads 12h45m20s
